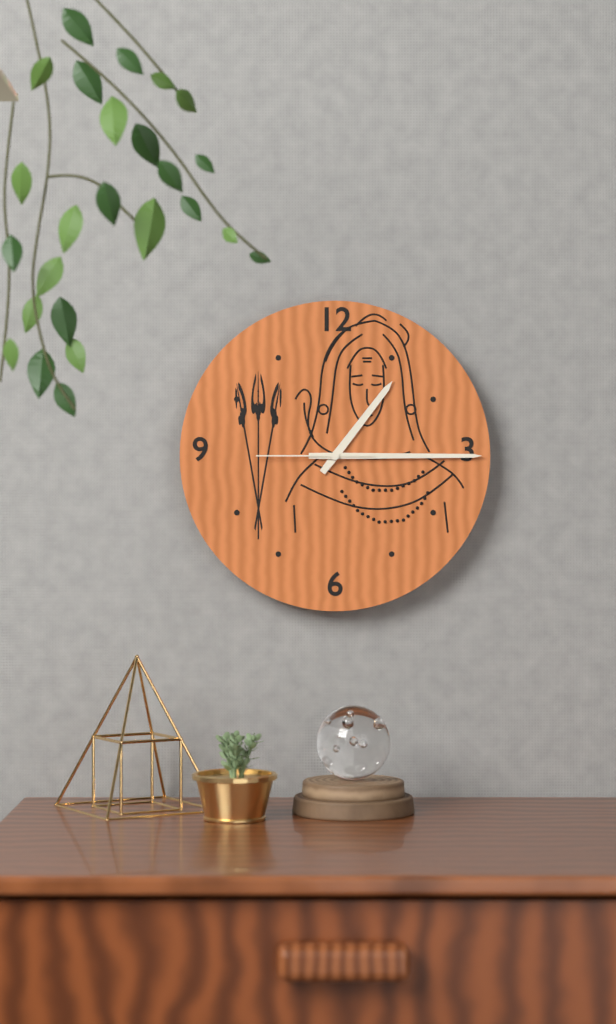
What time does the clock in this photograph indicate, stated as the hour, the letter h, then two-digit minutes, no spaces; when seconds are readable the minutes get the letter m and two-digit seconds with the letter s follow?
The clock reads 1h15m45s
